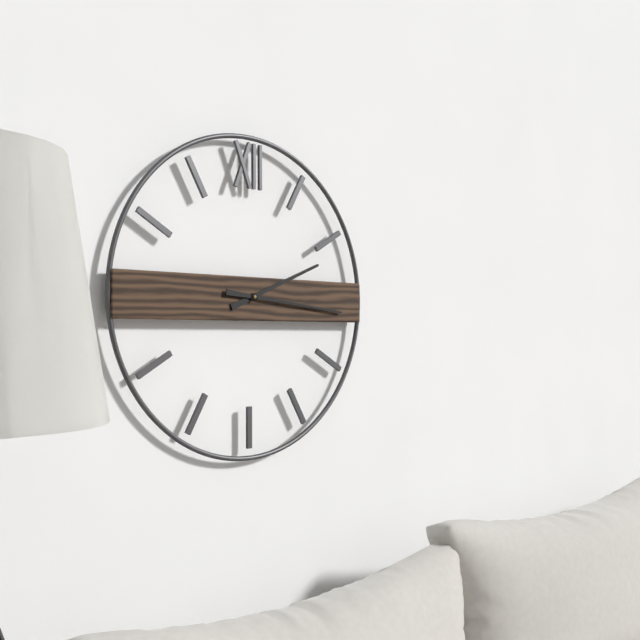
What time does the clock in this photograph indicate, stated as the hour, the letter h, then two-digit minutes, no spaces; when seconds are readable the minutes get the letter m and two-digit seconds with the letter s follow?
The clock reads 2h16
